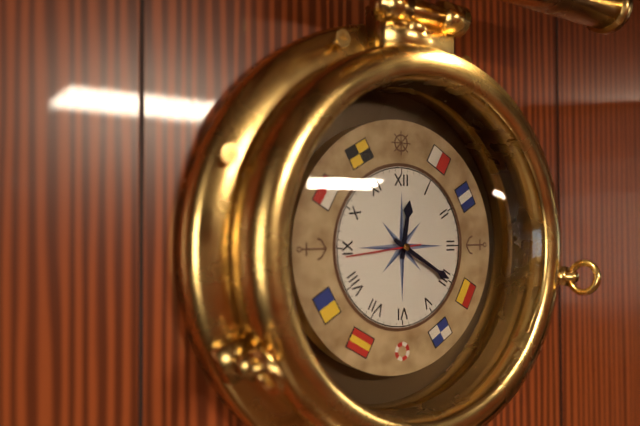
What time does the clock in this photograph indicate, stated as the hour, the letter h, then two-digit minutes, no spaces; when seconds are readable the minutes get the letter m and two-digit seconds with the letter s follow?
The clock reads 12h20
